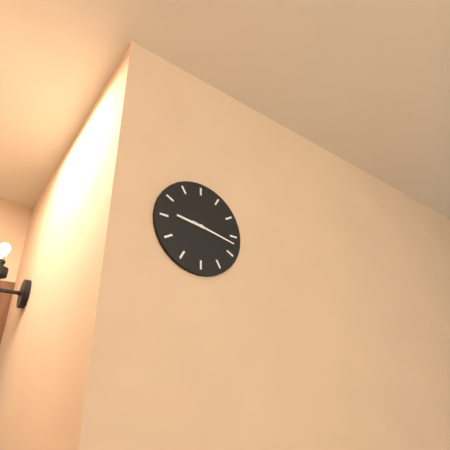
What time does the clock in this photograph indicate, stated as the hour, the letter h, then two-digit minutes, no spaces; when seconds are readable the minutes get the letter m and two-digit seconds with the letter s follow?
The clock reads 9h17
